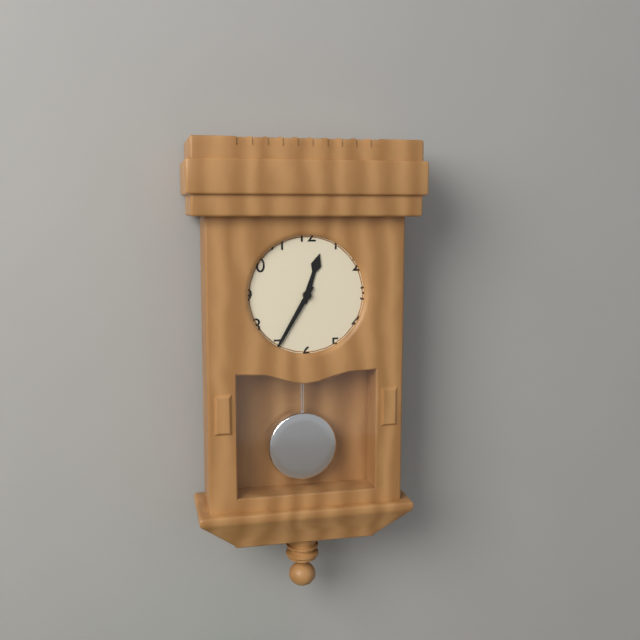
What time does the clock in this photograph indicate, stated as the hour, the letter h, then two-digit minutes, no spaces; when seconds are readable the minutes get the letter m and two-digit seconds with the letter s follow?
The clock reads 12h35
